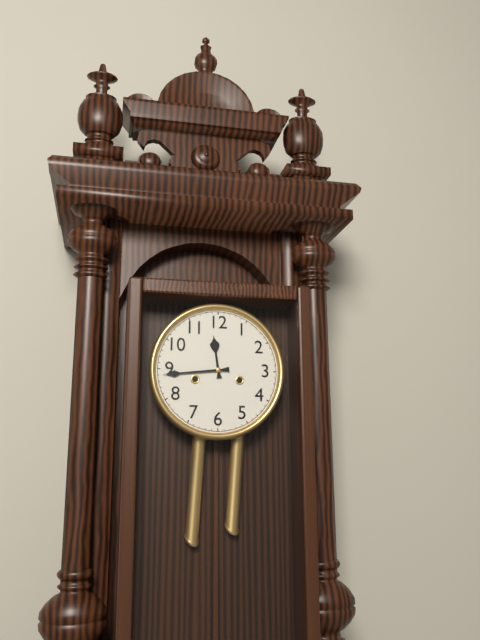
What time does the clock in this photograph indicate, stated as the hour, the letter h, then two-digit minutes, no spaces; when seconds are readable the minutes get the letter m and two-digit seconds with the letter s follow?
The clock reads 11h44
